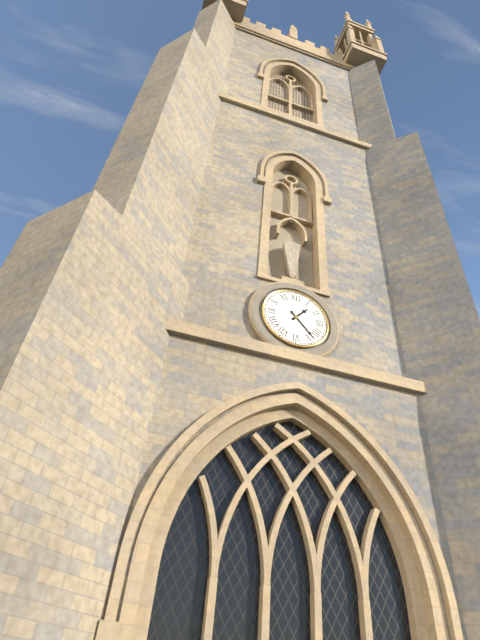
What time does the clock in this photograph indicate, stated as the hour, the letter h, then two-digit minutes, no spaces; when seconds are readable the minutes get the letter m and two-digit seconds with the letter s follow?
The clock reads 1h23
